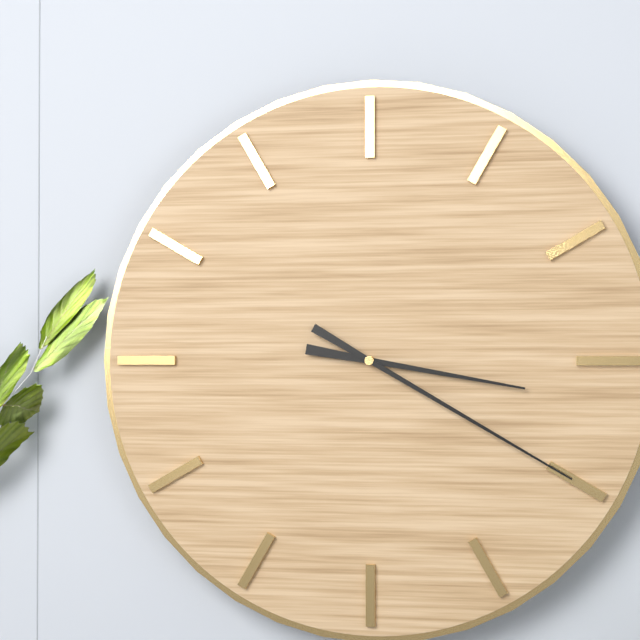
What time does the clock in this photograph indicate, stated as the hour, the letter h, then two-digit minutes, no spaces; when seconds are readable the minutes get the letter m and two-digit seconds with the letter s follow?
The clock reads 3h20
